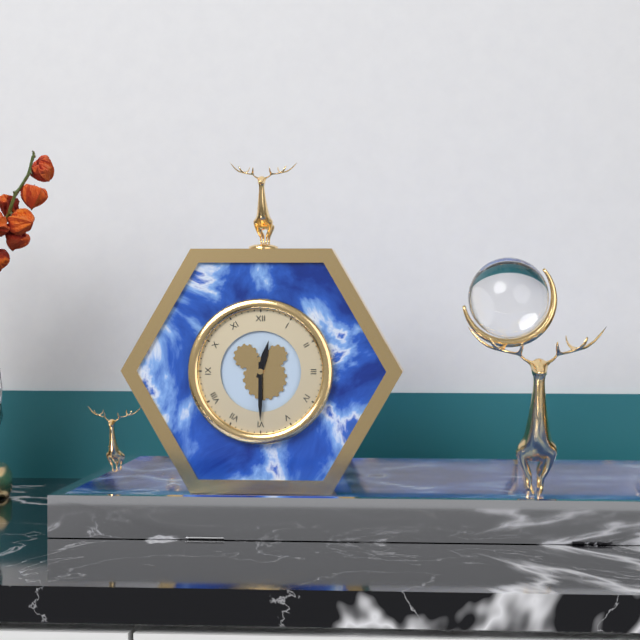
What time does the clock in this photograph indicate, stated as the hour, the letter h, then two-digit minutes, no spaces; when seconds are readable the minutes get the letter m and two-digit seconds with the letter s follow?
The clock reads 12h30
